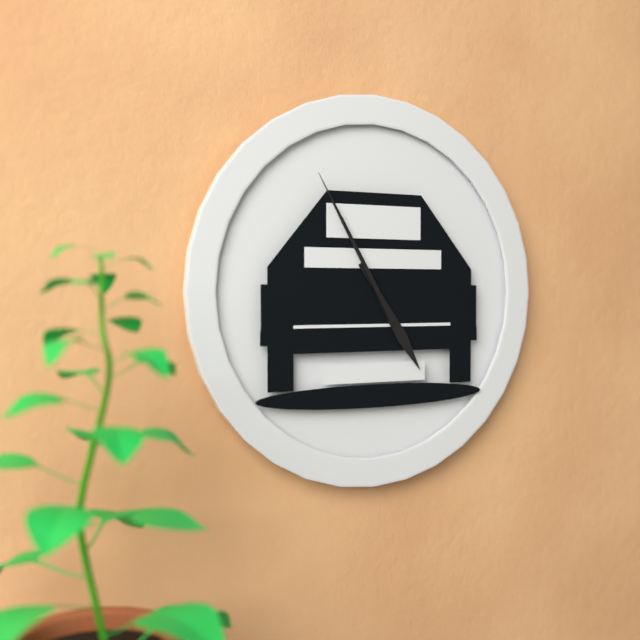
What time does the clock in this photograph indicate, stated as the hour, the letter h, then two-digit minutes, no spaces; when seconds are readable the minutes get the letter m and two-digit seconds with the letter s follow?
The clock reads 4h55
